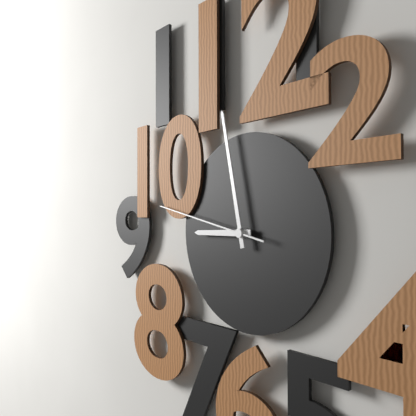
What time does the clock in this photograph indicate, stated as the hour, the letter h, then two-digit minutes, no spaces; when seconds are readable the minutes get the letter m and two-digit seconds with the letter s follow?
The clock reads 8h58m47s
